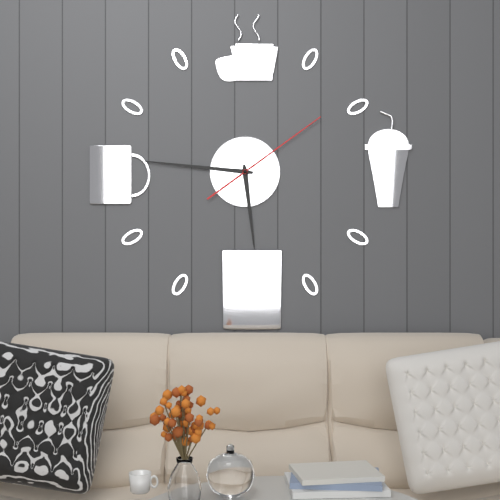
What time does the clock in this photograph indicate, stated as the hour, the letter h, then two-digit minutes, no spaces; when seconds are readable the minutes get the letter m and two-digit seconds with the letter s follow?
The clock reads 5h46m09s
